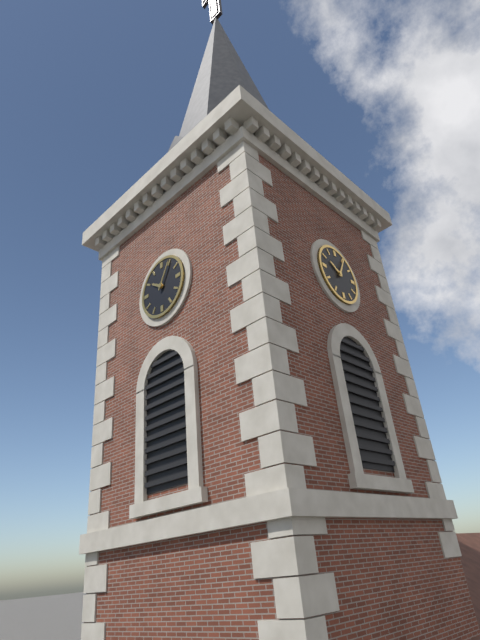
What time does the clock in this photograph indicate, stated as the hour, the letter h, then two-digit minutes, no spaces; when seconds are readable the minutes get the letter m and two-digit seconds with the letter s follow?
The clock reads 10h05
